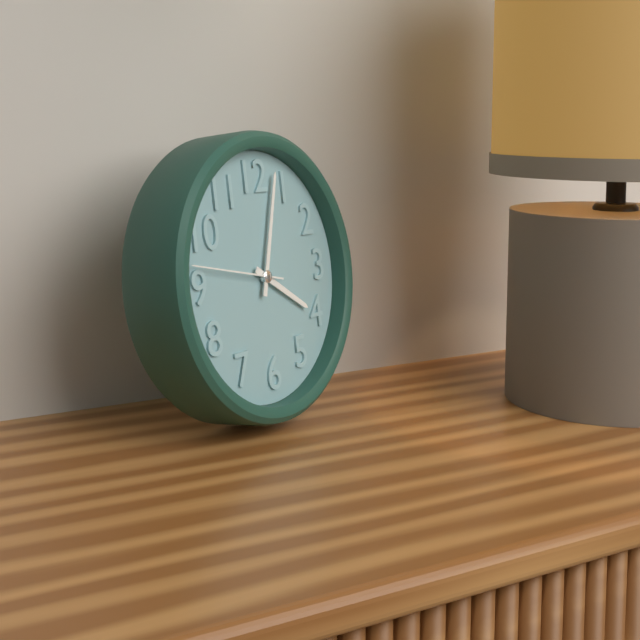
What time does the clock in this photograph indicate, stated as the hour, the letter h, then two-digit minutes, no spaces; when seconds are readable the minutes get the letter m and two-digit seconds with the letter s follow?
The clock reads 4h03m47s
